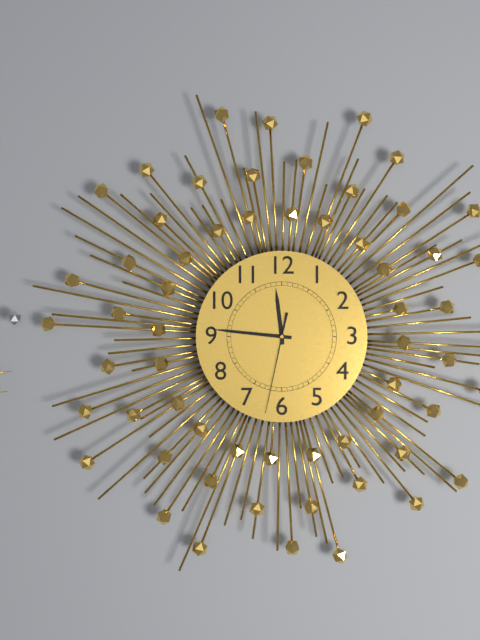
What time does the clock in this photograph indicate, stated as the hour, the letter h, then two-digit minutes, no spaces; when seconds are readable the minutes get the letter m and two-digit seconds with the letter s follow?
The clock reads 11h46m32s
